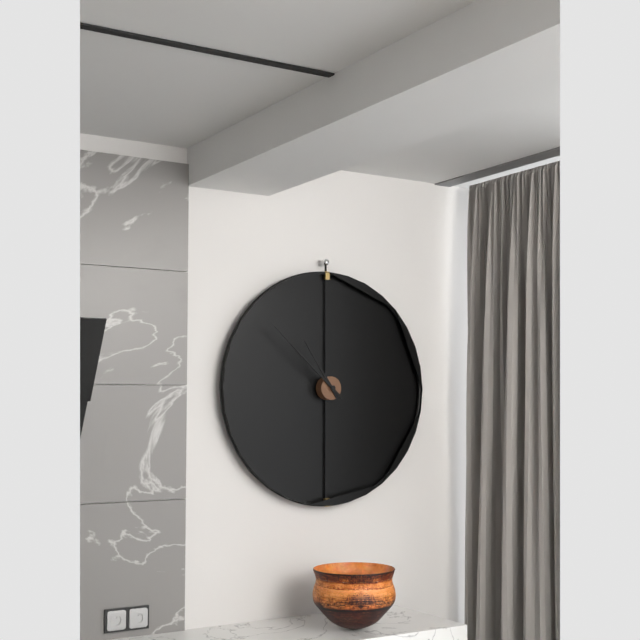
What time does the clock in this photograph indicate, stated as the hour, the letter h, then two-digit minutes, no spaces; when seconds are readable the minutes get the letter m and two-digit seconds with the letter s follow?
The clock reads 10h52
